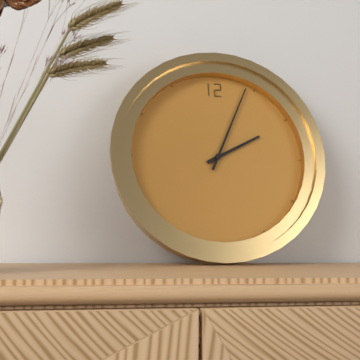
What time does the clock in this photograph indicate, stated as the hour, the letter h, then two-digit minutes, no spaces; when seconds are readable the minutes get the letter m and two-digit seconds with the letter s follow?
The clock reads 2h04
